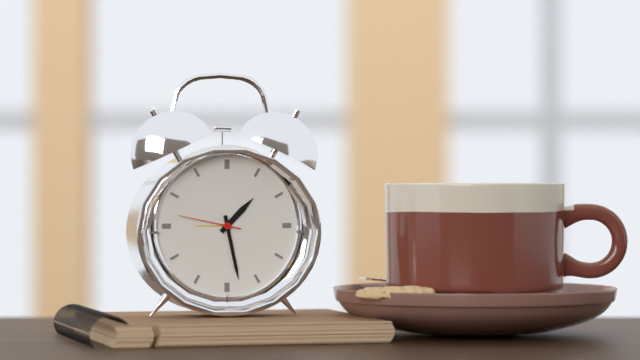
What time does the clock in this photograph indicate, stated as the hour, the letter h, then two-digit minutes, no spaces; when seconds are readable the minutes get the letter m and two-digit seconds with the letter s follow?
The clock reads 1h28m47s
